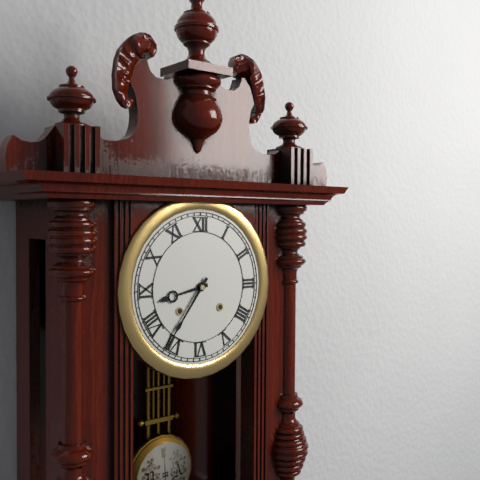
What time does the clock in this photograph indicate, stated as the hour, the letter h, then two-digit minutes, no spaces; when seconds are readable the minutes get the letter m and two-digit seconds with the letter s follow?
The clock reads 8h36
